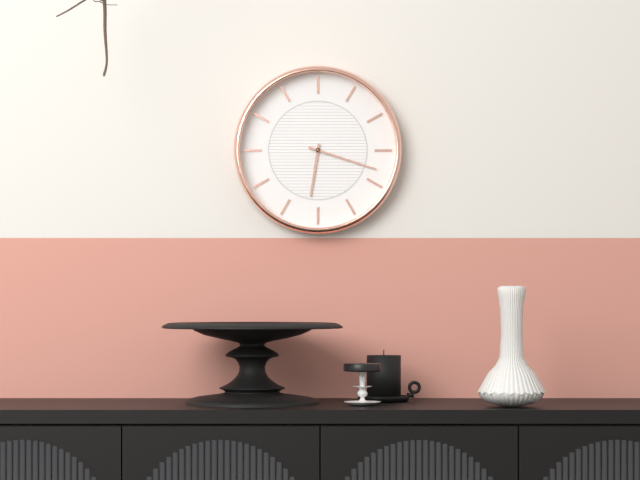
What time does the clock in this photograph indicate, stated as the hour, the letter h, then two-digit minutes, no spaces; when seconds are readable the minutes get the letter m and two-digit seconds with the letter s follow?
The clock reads 6h18
